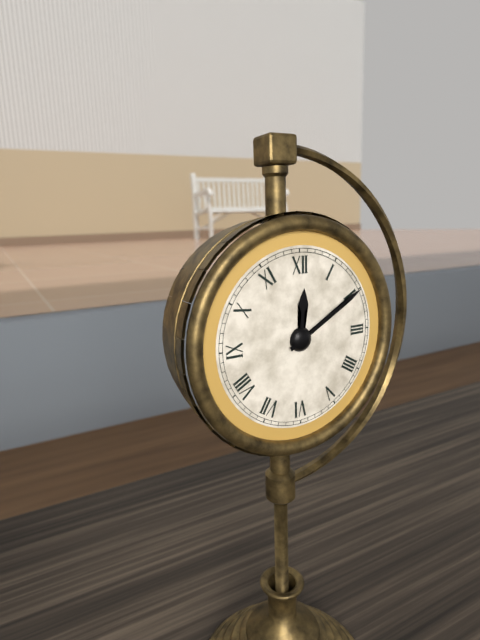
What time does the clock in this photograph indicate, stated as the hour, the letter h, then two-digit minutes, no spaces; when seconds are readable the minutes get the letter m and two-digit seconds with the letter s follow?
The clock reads 12h10
